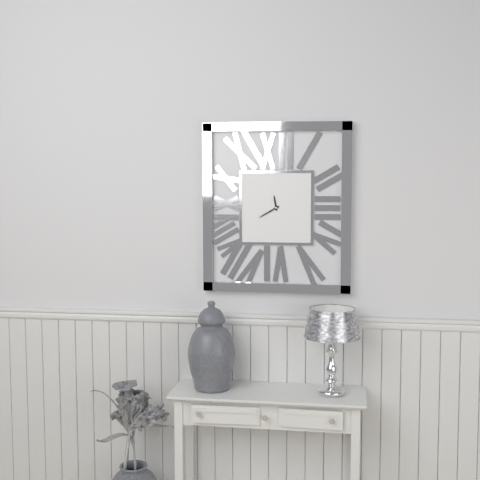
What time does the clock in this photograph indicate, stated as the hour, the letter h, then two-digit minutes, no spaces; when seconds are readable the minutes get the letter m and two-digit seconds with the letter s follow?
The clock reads 11h40
